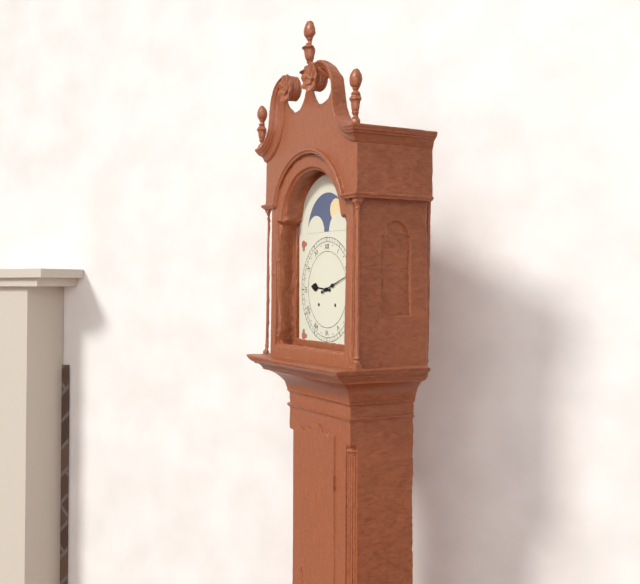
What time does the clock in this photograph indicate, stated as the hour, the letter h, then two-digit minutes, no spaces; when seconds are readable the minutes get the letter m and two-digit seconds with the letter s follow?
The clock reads 9h12
